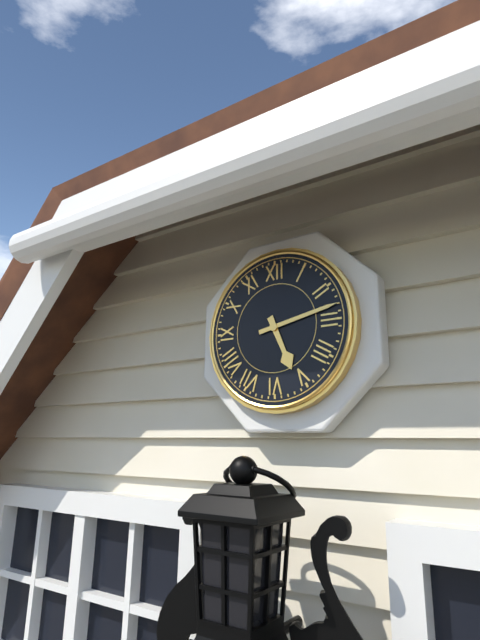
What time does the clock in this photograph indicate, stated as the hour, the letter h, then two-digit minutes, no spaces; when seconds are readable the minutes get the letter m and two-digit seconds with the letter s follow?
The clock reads 5h13
